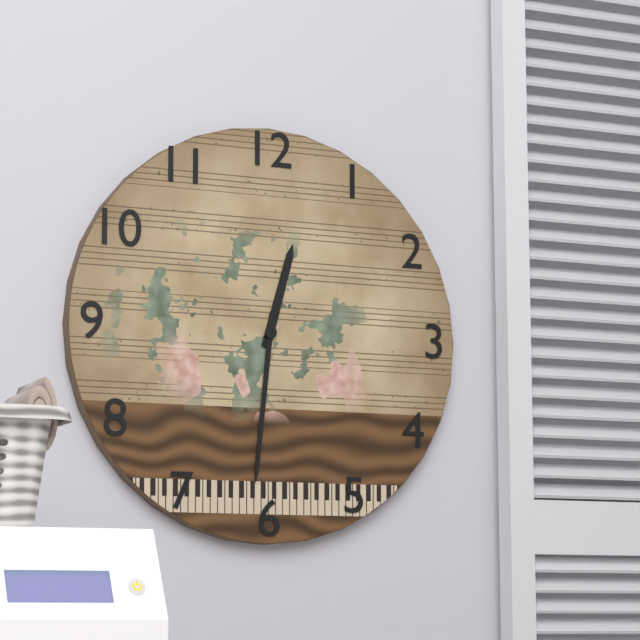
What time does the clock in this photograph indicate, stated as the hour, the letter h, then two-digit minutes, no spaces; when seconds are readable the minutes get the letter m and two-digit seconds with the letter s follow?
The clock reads 12h31
